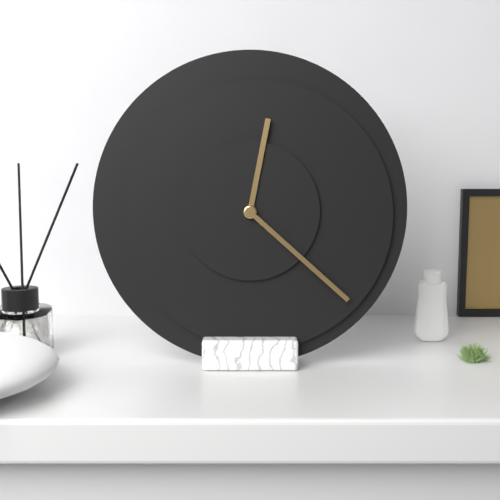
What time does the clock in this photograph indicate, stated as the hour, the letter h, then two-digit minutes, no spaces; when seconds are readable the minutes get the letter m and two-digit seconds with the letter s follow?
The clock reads 12h22
